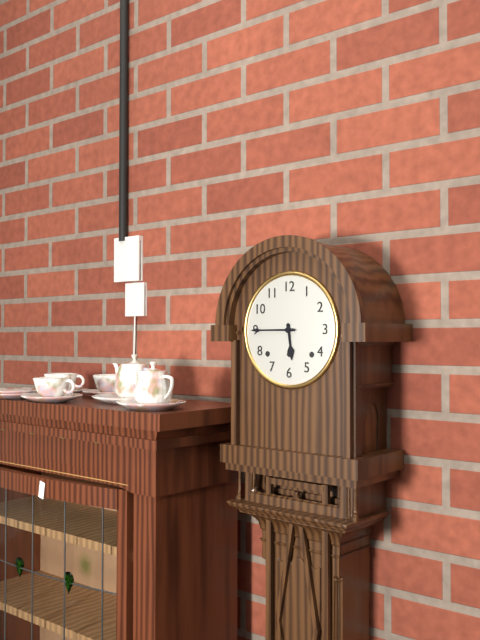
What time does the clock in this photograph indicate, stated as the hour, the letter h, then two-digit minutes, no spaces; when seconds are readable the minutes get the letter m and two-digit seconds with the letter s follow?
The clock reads 5h45
